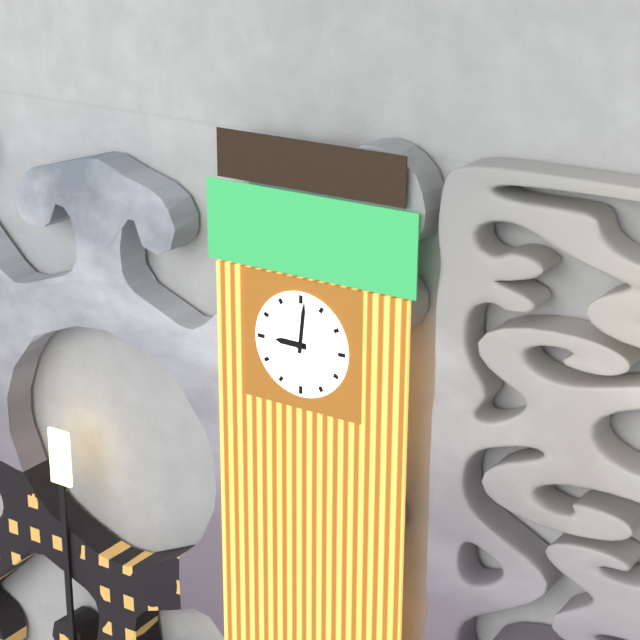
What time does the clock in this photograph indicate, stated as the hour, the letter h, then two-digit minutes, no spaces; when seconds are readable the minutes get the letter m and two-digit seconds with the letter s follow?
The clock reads 9h01
